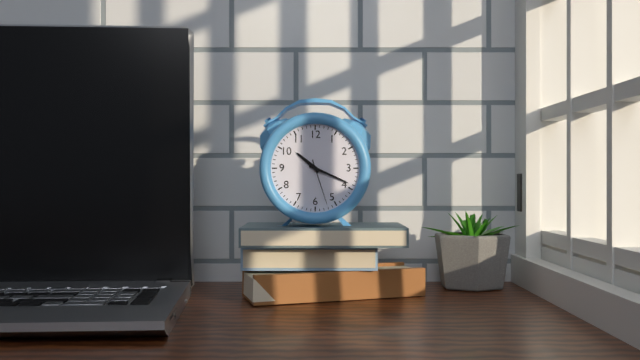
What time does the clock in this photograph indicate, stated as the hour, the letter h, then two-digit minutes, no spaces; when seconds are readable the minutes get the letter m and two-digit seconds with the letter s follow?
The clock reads 10h19
